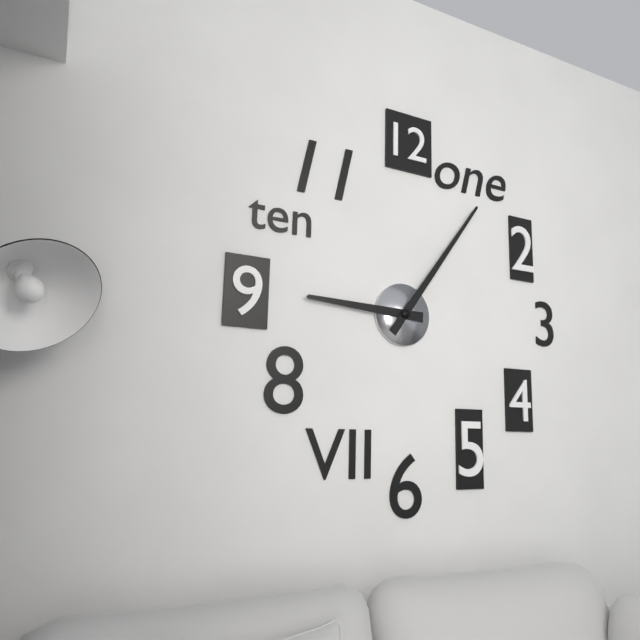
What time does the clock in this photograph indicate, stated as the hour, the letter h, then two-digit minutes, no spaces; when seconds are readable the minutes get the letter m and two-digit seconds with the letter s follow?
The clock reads 9h06
